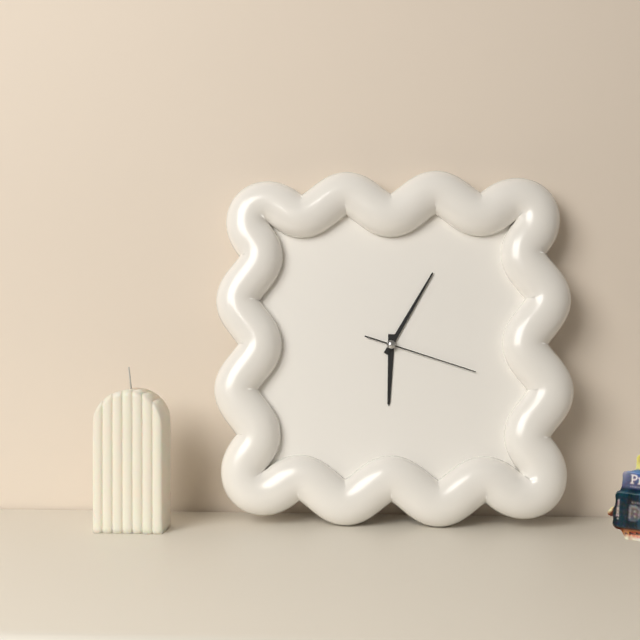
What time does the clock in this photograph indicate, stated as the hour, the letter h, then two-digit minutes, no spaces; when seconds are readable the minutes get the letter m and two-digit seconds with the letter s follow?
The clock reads 6h05m18s
